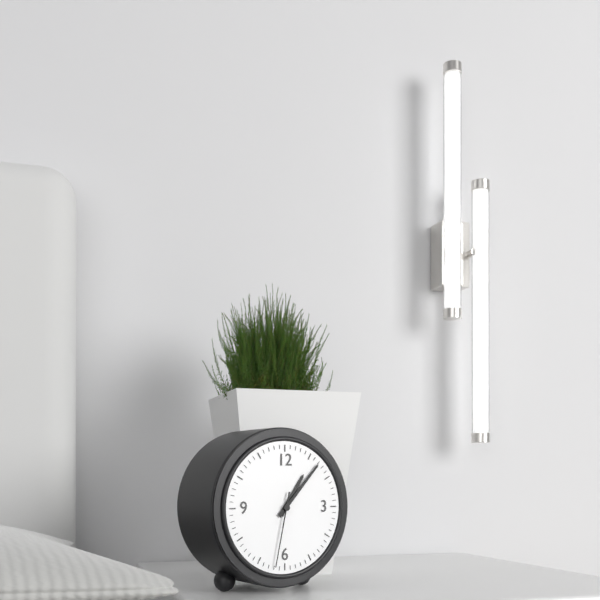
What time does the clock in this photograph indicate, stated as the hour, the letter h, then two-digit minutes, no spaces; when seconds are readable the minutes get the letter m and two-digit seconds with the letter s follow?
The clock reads 1h07m32s
